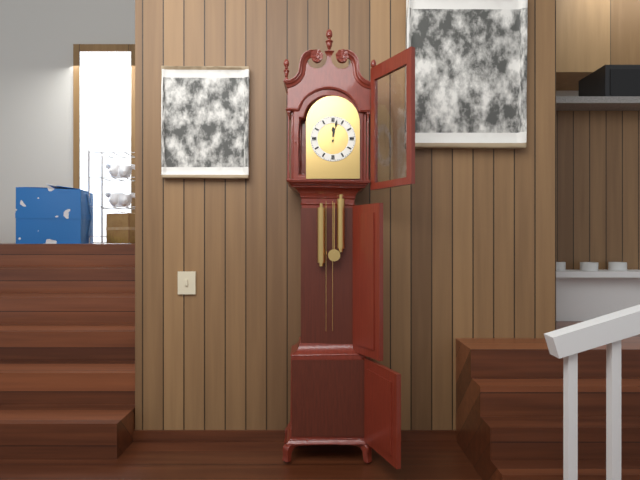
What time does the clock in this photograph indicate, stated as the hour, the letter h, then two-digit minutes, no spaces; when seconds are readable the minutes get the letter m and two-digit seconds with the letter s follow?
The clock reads 12h02
